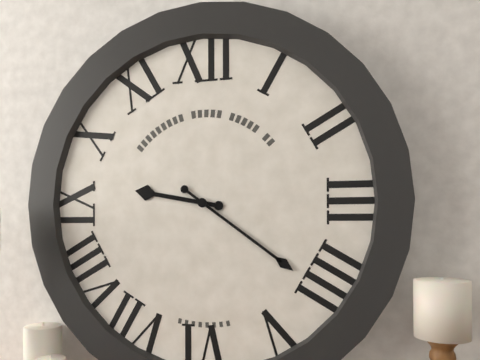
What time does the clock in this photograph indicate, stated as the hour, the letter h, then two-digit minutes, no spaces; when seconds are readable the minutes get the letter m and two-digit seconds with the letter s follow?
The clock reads 9h21
